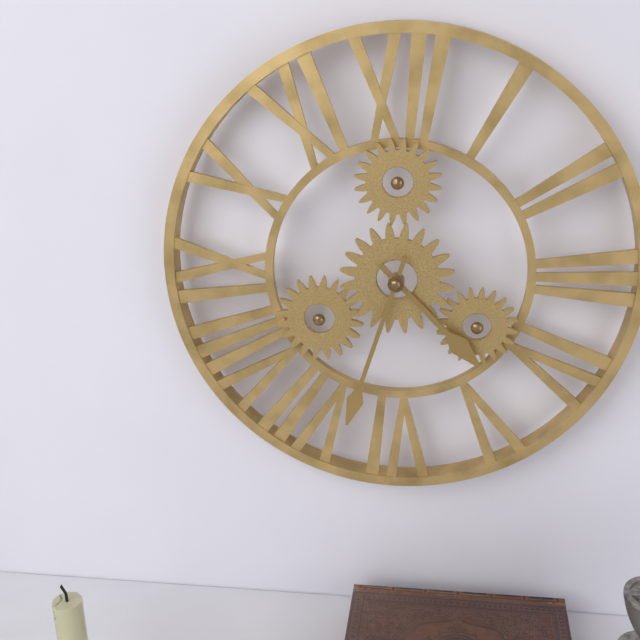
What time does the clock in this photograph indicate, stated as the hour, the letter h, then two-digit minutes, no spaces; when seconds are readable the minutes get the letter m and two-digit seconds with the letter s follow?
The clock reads 4h33
